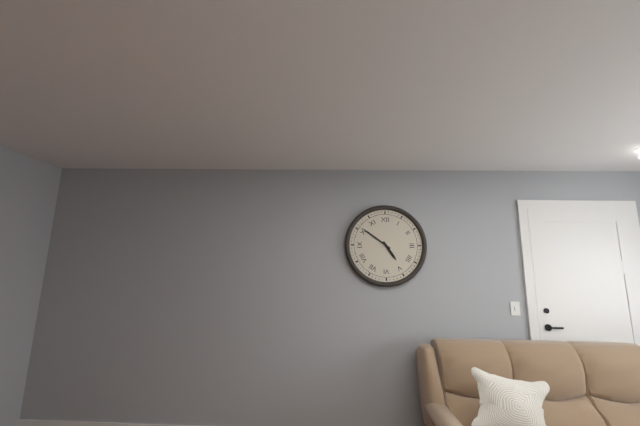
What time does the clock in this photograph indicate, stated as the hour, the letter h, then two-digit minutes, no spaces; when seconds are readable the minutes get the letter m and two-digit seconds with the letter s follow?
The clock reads 4h51
